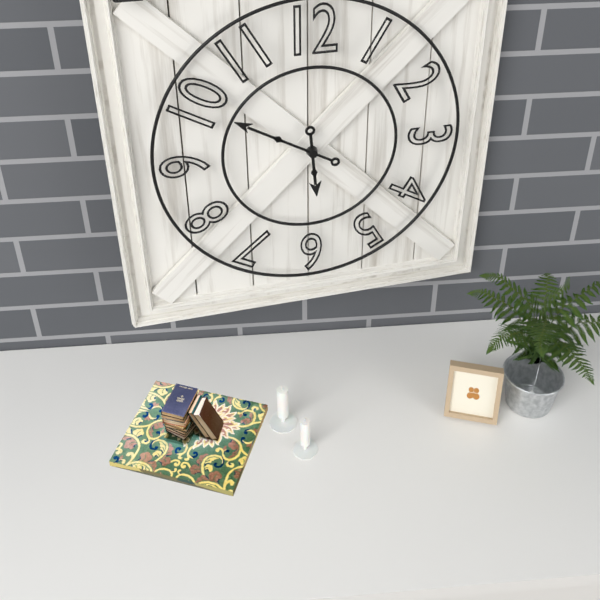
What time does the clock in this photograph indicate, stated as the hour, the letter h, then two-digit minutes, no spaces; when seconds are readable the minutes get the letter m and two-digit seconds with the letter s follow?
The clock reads 5h50
